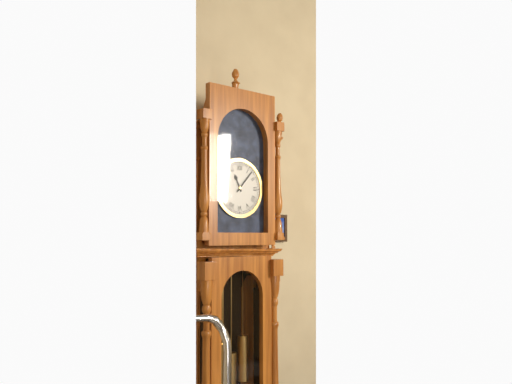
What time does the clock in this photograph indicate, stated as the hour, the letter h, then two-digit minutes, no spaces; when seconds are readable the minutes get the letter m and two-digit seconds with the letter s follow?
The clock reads 11h07
